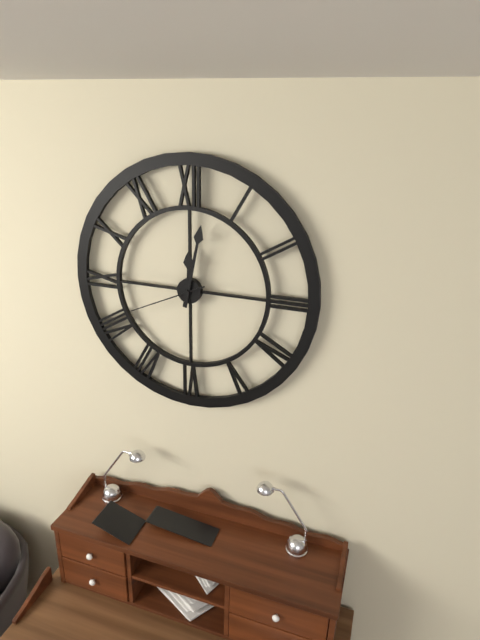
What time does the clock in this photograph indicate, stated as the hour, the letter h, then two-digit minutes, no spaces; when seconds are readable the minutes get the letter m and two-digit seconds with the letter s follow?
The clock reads 12h02m41s
